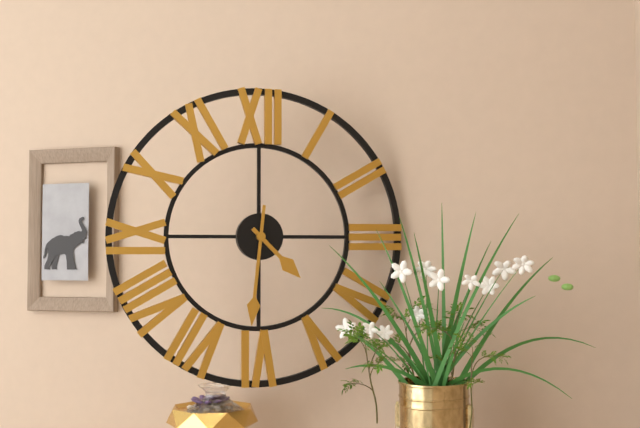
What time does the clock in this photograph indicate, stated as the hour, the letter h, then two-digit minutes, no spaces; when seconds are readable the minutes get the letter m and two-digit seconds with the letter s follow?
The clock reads 4h31
